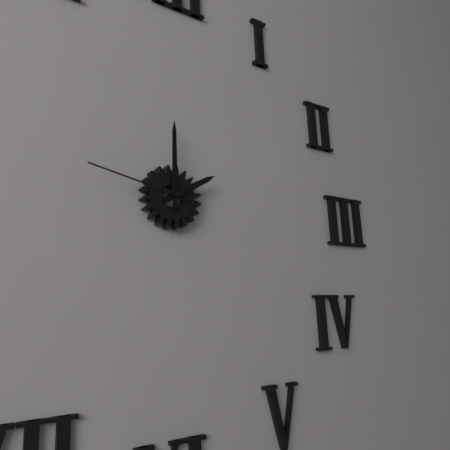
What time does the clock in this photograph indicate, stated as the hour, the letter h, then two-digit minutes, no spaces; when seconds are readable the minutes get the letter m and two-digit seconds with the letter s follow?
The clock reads 2h00m47s
